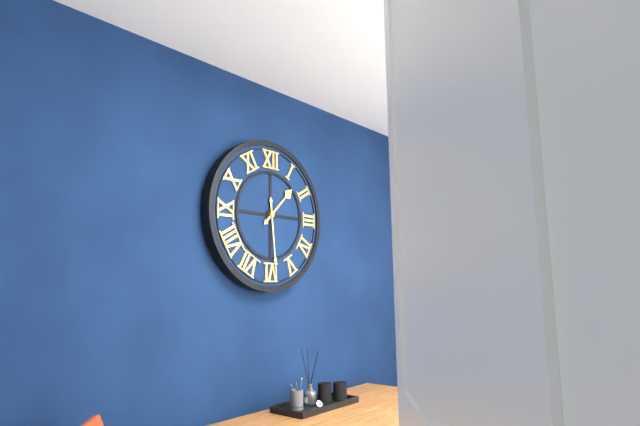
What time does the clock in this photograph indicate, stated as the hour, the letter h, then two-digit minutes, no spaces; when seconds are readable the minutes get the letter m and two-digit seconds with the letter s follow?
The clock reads 1h29
